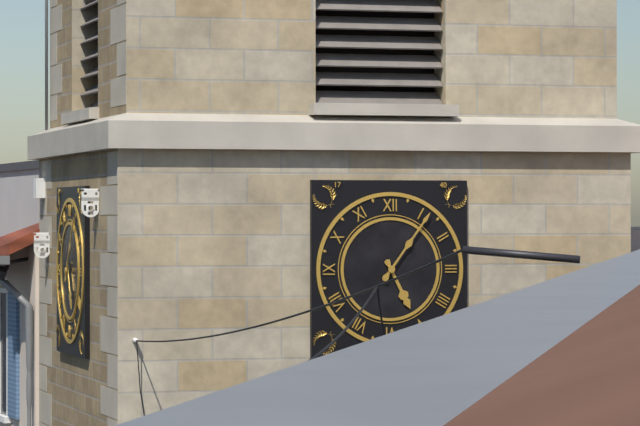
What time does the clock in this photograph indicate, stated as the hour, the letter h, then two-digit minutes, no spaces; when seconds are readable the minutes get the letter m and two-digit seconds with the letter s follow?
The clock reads 5h06
